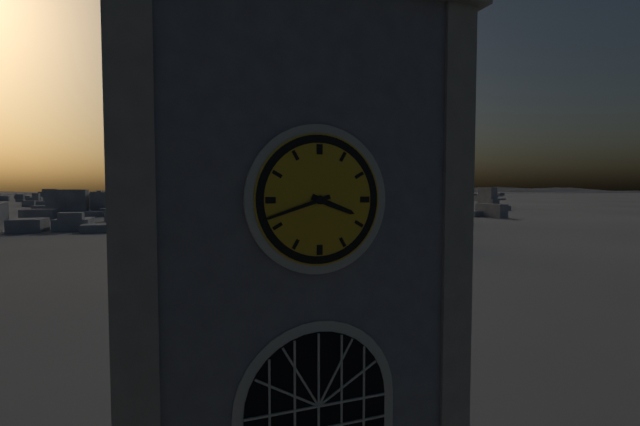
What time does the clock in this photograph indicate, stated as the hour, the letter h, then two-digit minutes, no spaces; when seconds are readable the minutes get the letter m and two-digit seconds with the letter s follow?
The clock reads 3h42
